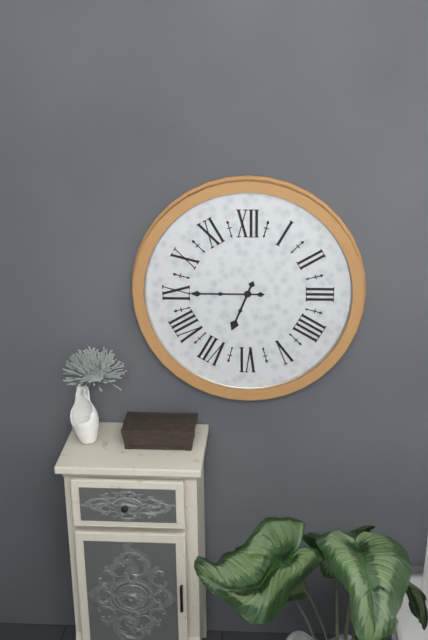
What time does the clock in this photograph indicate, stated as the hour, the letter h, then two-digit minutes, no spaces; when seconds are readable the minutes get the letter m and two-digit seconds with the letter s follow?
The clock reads 6h45
